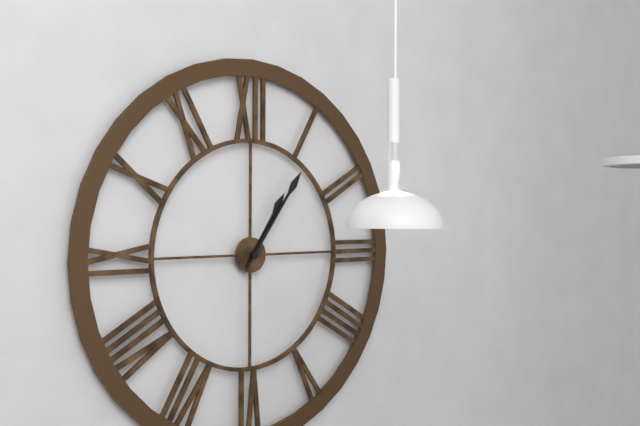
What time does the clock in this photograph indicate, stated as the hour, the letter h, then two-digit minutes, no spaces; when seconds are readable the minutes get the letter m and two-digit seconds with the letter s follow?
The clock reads 1h06
